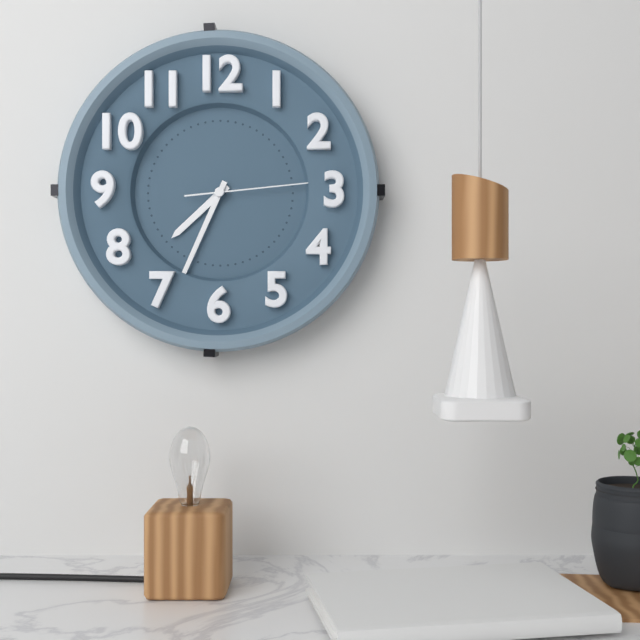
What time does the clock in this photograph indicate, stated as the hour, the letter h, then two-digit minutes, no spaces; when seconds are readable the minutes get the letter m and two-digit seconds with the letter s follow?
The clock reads 7h34m14s
